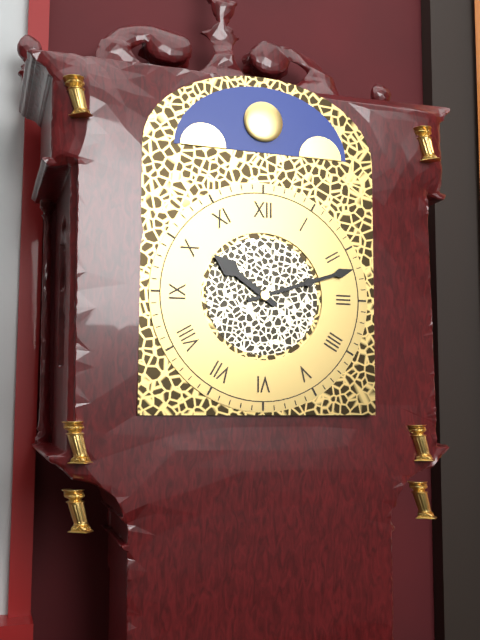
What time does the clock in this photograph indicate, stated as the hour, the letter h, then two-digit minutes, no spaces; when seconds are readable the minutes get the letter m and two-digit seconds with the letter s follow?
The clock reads 10h12
